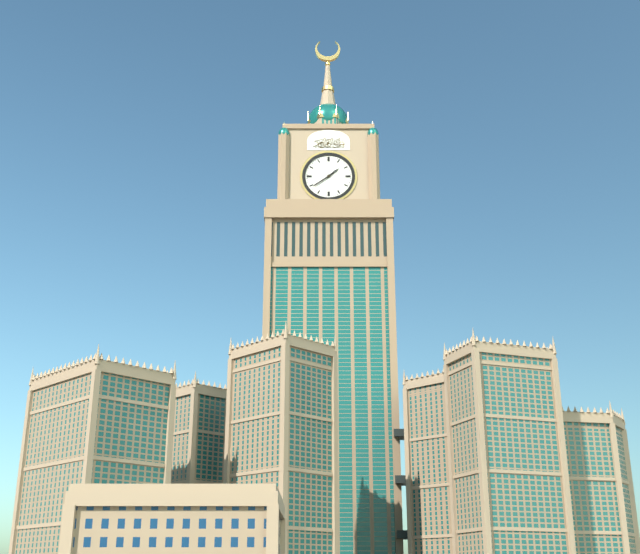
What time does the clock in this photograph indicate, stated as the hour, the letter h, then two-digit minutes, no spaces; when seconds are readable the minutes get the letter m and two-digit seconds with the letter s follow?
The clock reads 1h39
